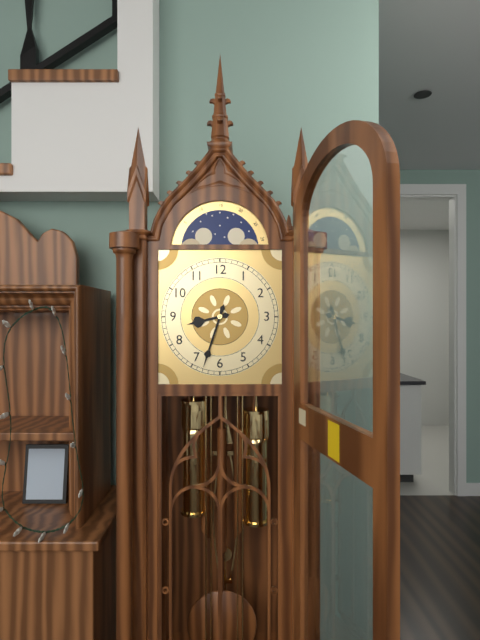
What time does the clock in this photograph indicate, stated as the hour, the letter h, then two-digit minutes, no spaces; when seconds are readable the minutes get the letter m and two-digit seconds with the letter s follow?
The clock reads 8h33
